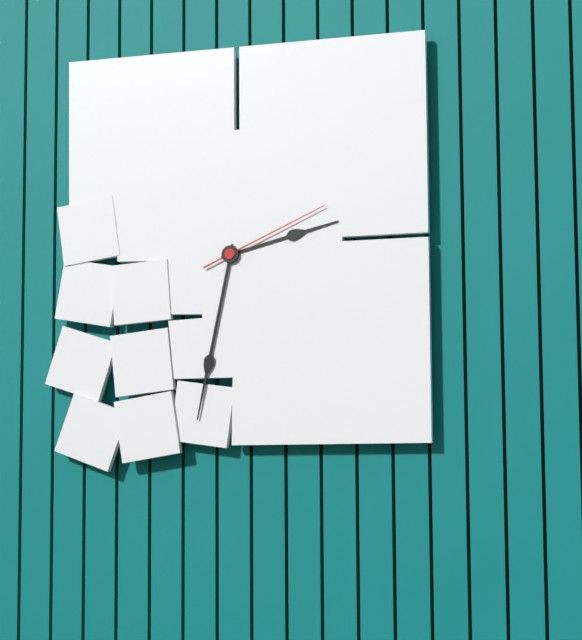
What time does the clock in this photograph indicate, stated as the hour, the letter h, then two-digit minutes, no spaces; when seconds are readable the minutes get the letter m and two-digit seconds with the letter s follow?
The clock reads 2h32m11s
